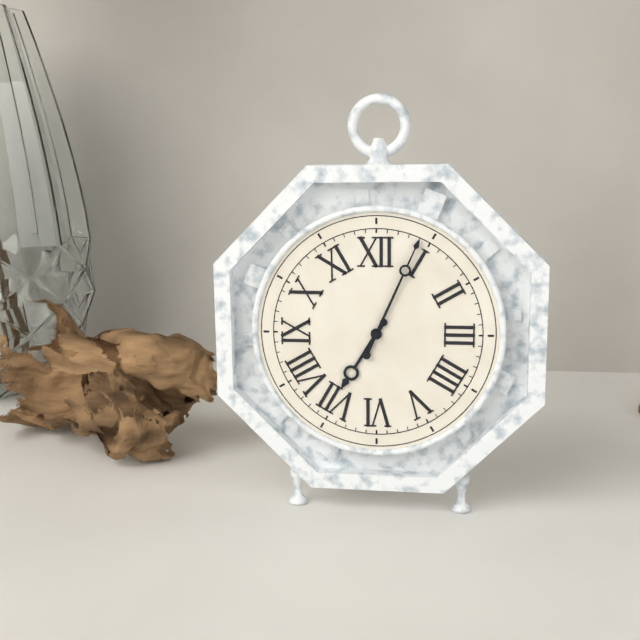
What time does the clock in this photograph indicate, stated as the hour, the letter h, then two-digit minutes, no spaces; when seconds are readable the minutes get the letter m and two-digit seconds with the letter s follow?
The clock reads 7h04
